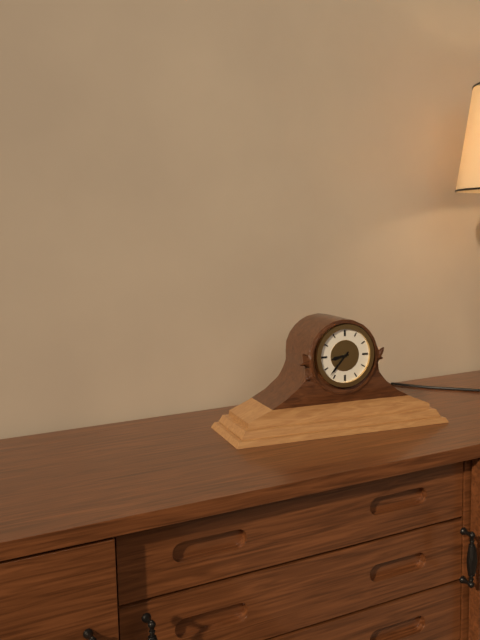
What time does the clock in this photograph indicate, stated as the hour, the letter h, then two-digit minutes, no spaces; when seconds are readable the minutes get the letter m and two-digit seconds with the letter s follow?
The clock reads 8h37
